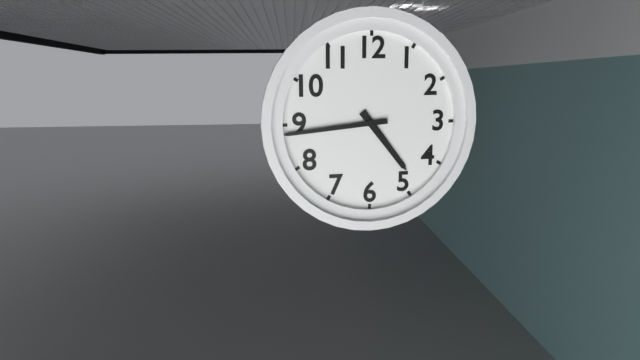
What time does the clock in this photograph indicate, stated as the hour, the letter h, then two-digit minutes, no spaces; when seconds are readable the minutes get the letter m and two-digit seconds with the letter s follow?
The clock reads 4h44
